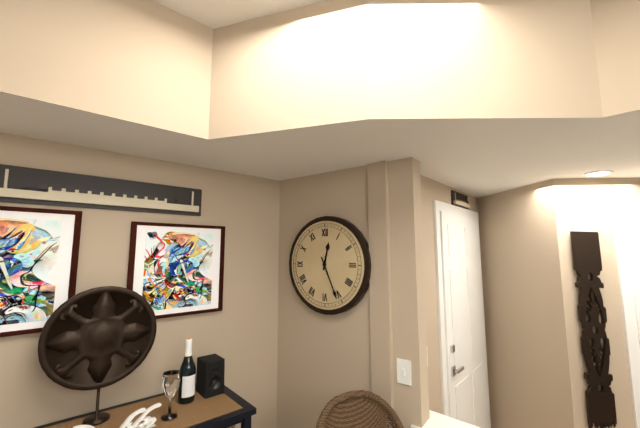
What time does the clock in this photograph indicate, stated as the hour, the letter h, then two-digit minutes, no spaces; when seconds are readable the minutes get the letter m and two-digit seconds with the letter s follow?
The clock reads 12h26
